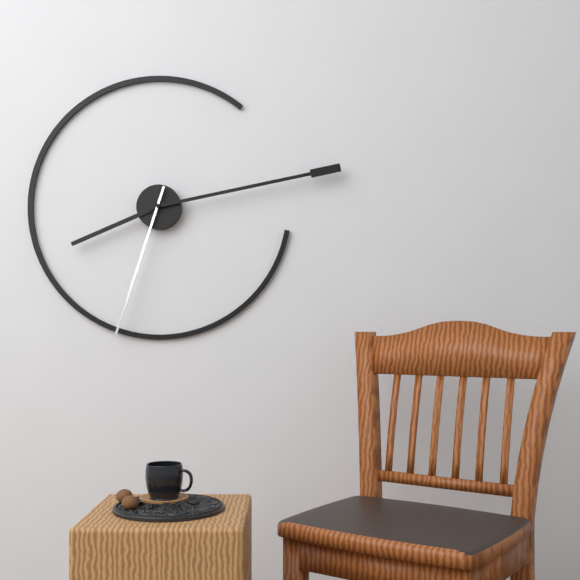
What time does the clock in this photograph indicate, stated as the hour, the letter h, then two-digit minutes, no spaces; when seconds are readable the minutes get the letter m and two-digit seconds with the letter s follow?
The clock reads 8h13m33s
